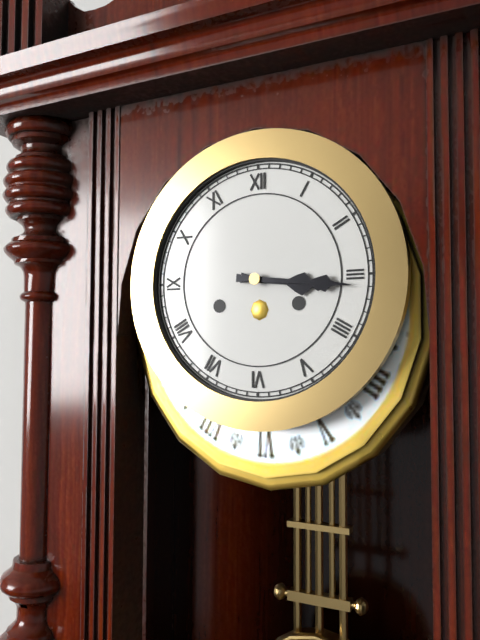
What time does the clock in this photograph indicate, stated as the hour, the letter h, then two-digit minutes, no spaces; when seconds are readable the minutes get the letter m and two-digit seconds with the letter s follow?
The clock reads 3h16
